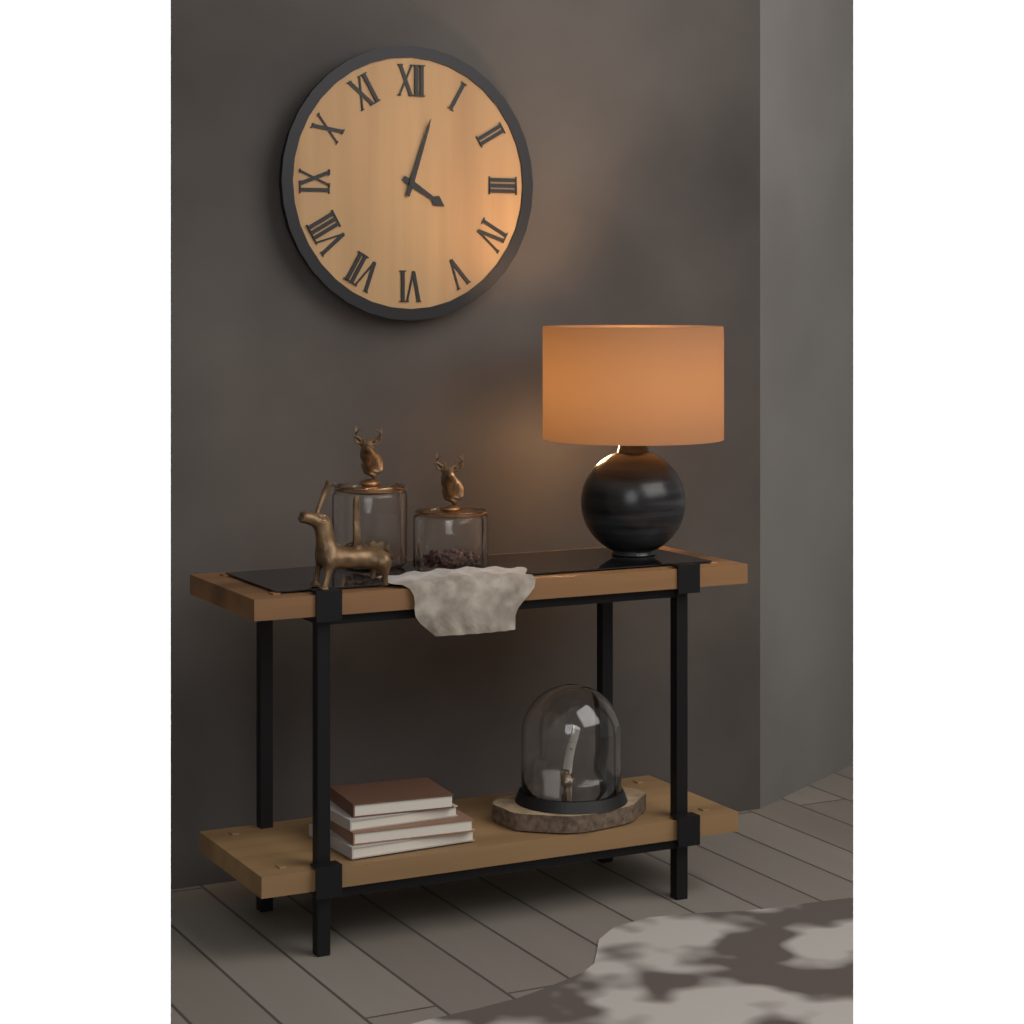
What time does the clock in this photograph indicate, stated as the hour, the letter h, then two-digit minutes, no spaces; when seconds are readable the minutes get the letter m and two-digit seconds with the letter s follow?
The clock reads 4h03
